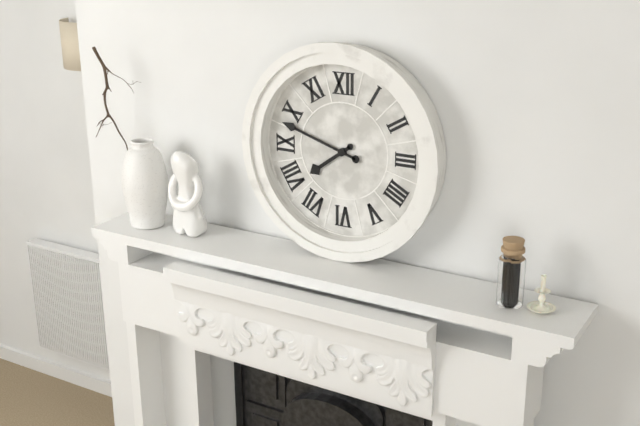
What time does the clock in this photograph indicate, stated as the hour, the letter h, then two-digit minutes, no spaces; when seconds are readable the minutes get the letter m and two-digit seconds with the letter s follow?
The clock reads 7h48
